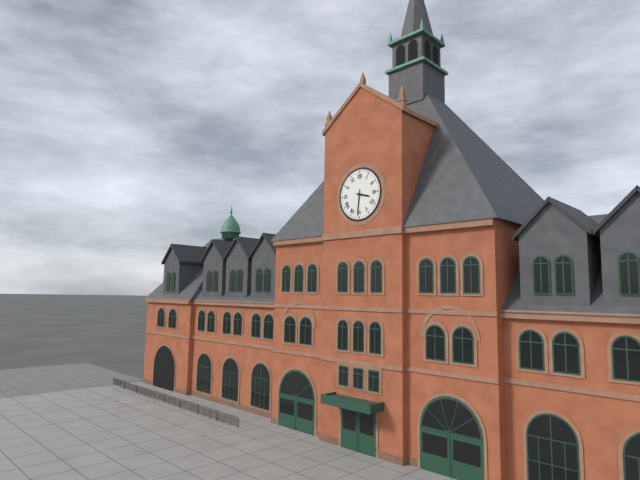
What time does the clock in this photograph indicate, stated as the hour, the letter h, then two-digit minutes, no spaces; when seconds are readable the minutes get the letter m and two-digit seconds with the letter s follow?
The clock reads 3h31
